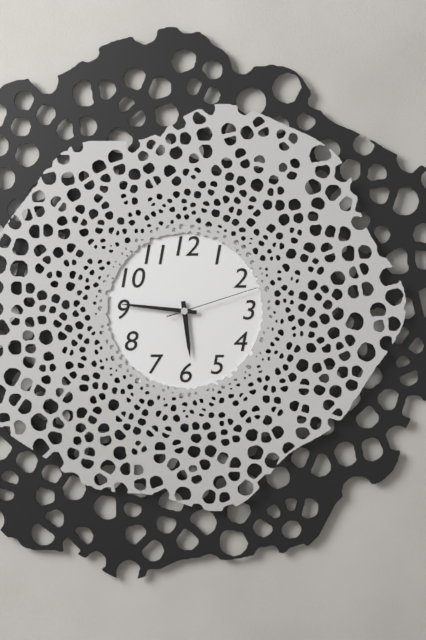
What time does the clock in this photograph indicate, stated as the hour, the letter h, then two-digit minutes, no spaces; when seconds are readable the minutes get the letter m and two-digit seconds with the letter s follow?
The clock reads 5h46m12s
